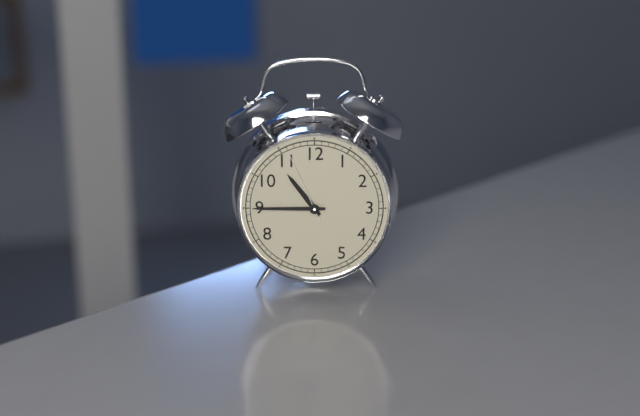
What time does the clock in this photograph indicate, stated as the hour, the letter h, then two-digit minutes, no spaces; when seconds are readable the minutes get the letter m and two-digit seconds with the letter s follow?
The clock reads 10h45m56s
